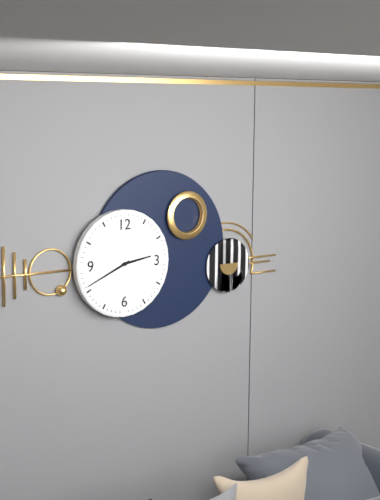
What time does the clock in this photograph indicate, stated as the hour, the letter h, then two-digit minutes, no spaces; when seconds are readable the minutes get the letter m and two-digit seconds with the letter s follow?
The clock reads 2h41
